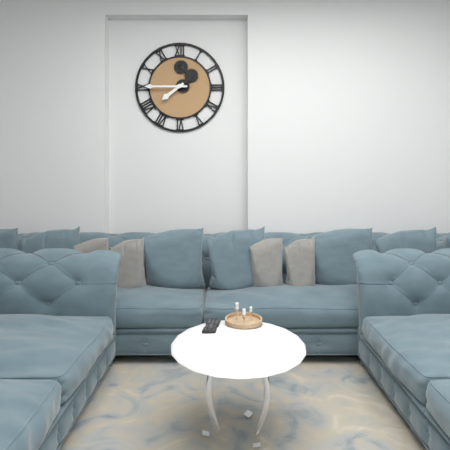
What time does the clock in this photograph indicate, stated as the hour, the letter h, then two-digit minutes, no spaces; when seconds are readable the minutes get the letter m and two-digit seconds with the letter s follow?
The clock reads 7h45
